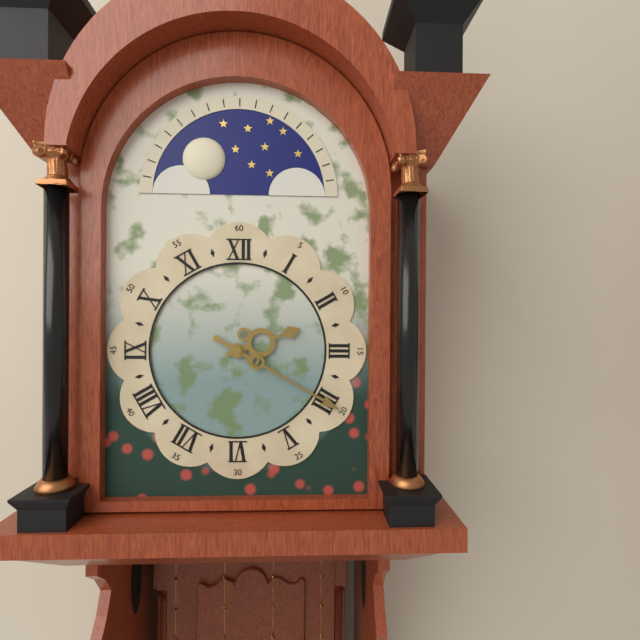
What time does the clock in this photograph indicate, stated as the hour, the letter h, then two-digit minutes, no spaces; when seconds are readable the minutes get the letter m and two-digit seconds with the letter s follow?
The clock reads 2h20
